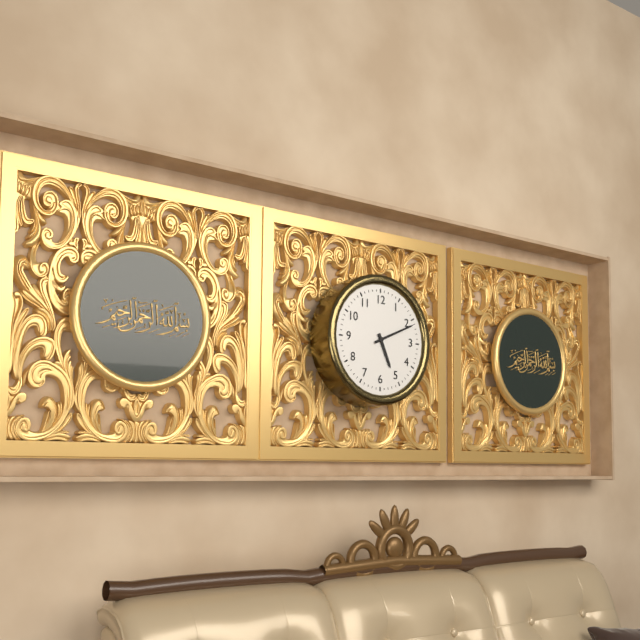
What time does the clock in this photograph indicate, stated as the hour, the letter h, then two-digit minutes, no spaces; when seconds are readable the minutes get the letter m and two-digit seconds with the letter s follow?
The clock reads 5h11
